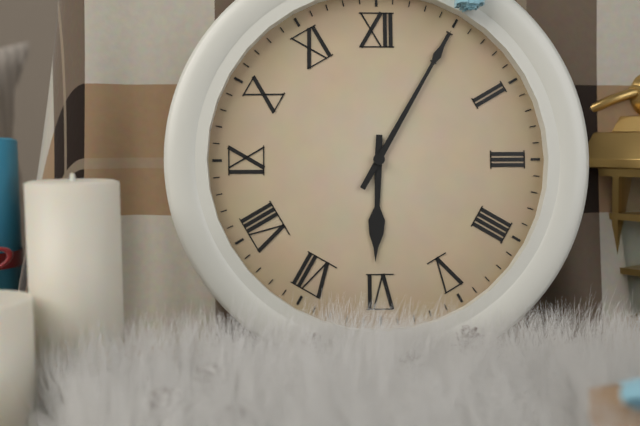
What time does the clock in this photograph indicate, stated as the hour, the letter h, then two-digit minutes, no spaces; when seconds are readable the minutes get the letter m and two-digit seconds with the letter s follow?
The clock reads 6h05
